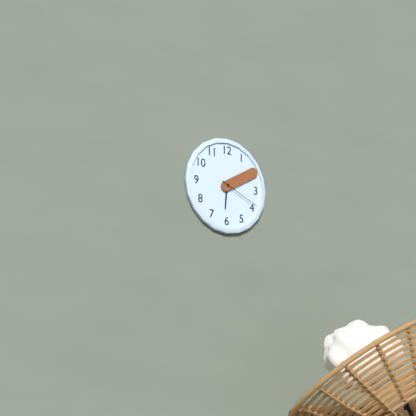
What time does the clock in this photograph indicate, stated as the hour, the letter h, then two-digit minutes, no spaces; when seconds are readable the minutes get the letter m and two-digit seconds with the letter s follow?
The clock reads 6h10
